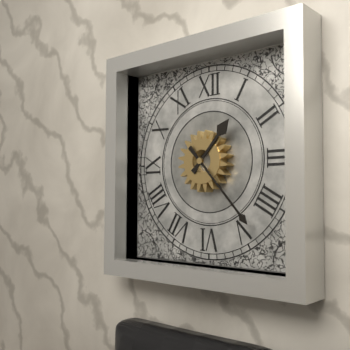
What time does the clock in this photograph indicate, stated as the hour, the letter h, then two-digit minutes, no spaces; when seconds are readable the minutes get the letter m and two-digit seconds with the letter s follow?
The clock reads 1h23
